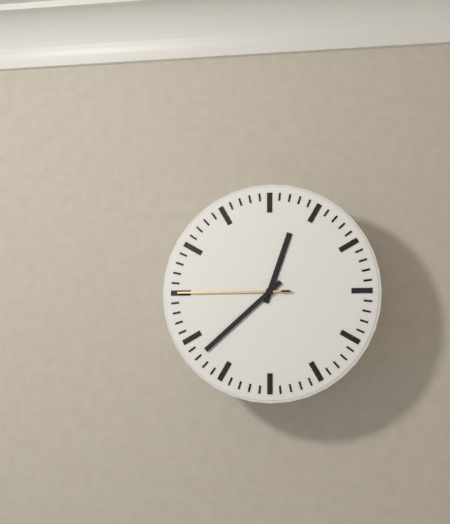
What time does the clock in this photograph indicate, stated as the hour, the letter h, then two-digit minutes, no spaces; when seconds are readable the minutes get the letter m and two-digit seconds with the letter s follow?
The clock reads 12h38m45s
